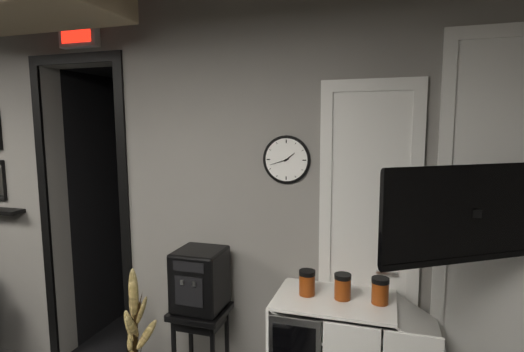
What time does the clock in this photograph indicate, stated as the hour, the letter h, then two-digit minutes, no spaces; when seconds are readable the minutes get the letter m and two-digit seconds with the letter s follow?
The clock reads 1h42
